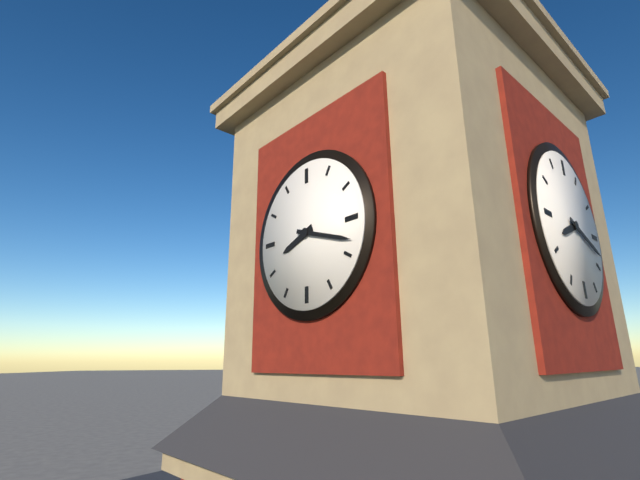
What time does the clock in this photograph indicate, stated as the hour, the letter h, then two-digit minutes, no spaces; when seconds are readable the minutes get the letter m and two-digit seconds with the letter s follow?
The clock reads 8h18
